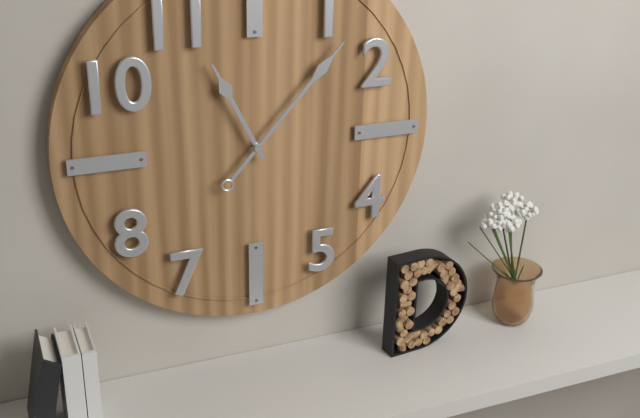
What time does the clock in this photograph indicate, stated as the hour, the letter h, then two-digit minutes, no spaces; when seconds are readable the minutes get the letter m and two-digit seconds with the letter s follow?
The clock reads 11h07
